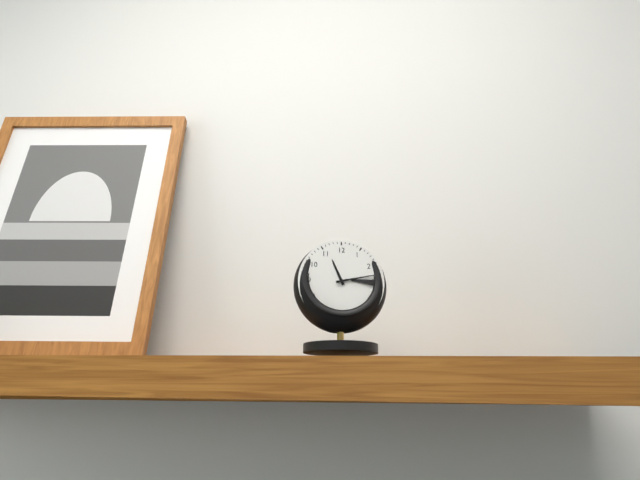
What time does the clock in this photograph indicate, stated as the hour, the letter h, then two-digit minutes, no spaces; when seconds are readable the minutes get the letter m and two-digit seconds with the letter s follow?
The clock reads 11h13
